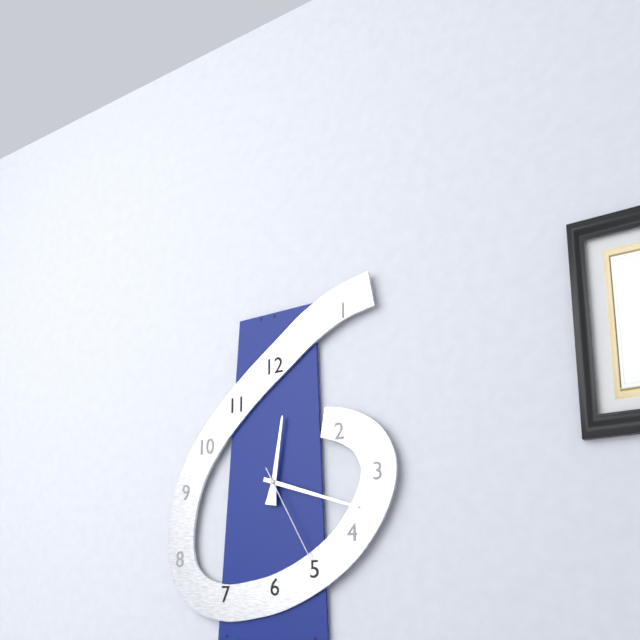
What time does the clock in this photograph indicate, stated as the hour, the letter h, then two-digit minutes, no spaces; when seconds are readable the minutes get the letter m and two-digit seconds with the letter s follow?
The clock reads 12h18m25s
